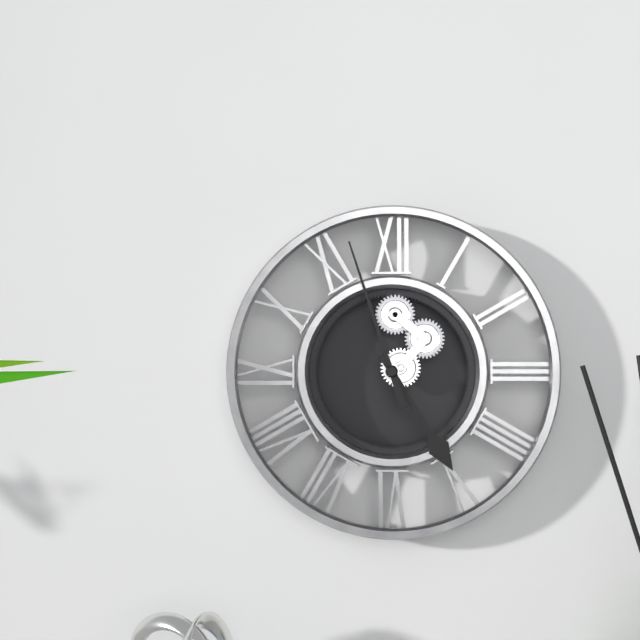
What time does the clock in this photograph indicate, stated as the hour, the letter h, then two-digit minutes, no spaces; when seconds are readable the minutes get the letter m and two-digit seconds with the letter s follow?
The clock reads 4h57
